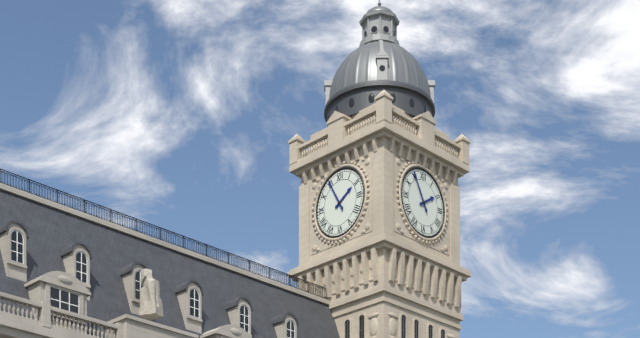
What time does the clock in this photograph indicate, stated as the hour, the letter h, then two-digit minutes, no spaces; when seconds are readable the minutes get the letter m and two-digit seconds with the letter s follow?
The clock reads 1h55
